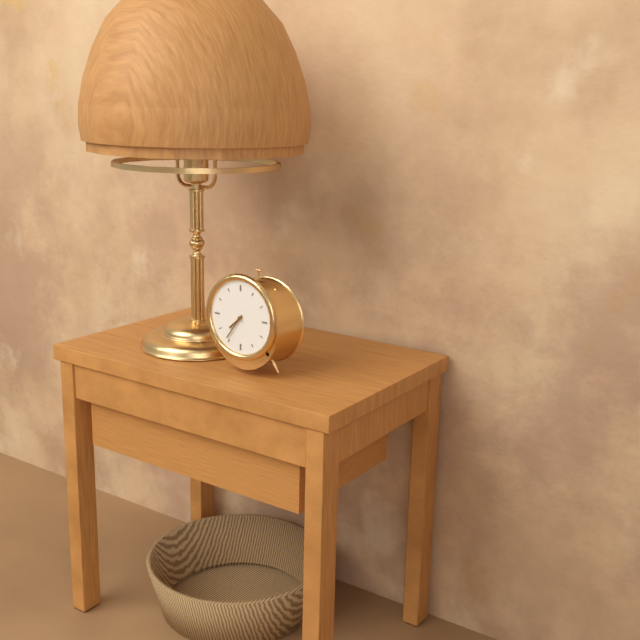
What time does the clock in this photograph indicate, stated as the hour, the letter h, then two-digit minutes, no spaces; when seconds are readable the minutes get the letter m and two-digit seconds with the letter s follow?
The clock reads 7h36
